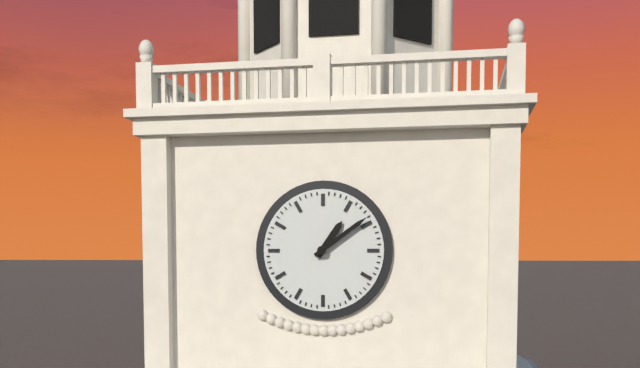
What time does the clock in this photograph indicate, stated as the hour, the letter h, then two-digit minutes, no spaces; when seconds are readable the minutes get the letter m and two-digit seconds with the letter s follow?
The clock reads 1h09
